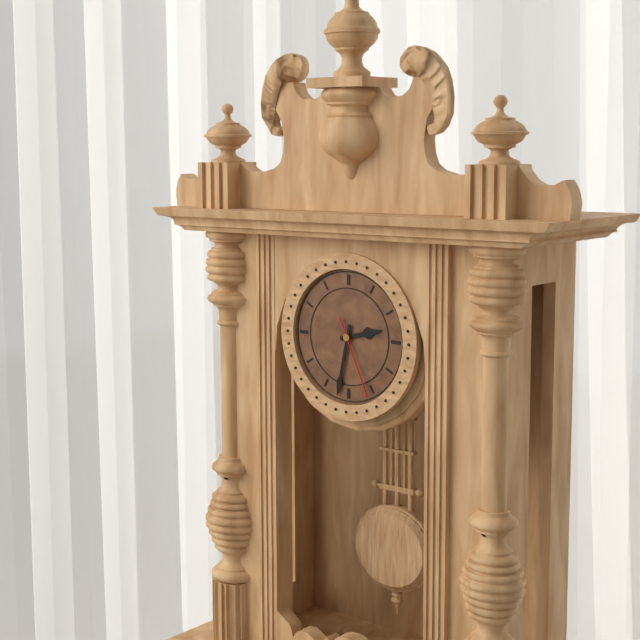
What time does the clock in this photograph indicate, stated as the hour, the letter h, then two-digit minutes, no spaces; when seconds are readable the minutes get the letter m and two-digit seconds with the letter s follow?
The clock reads 2h32m26s
